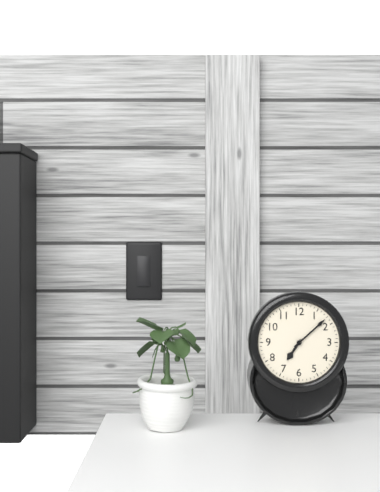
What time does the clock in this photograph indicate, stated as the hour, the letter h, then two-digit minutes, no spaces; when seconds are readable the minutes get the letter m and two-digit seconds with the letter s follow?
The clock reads 7h08
